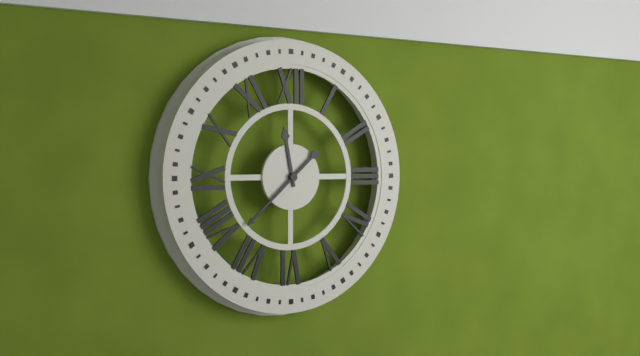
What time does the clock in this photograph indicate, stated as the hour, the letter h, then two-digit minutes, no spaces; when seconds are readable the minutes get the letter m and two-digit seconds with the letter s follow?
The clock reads 11h38
